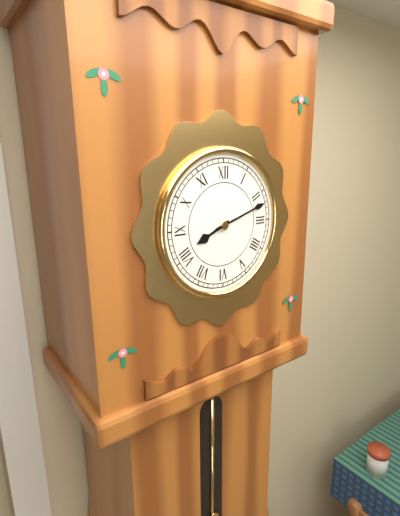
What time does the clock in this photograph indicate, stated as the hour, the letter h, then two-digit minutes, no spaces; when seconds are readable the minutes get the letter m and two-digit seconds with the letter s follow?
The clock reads 8h12
